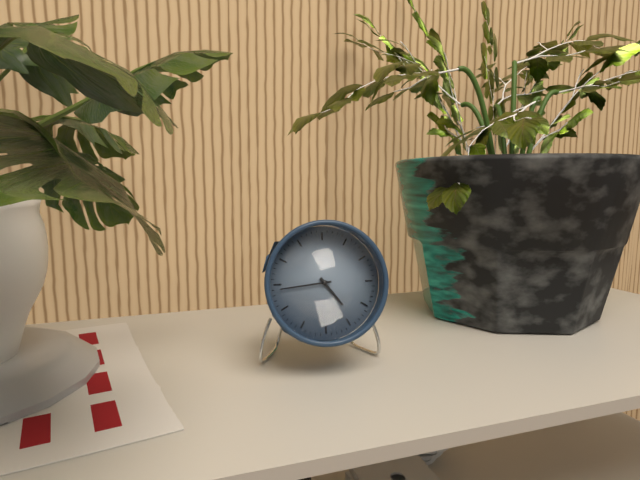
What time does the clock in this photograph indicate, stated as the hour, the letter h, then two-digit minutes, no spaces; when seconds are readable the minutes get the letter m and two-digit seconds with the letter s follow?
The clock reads 4h44
